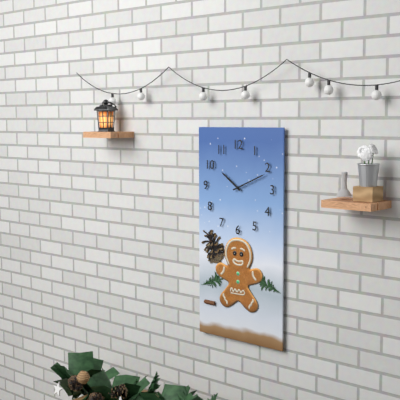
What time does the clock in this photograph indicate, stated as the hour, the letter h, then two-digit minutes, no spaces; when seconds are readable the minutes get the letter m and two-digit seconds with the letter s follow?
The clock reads 10h11
